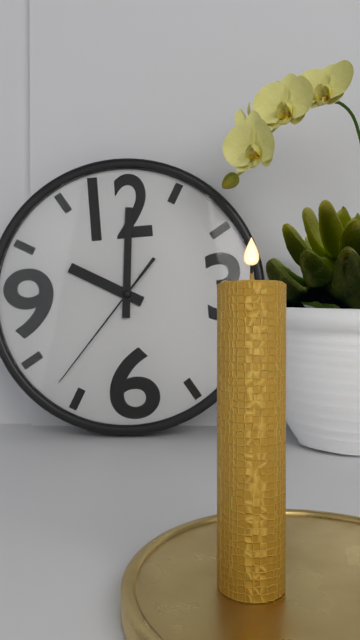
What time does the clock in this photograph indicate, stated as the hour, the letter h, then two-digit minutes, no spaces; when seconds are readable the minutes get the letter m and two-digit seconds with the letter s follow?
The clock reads 10h01m37s
